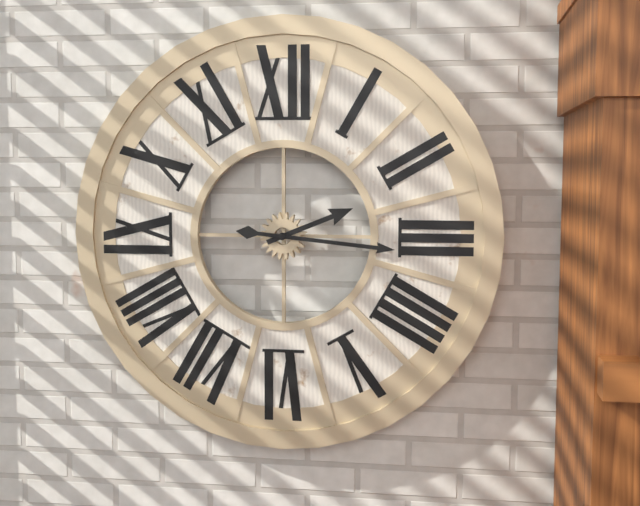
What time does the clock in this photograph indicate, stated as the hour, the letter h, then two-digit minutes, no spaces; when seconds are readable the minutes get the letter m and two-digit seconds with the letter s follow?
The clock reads 2h16
